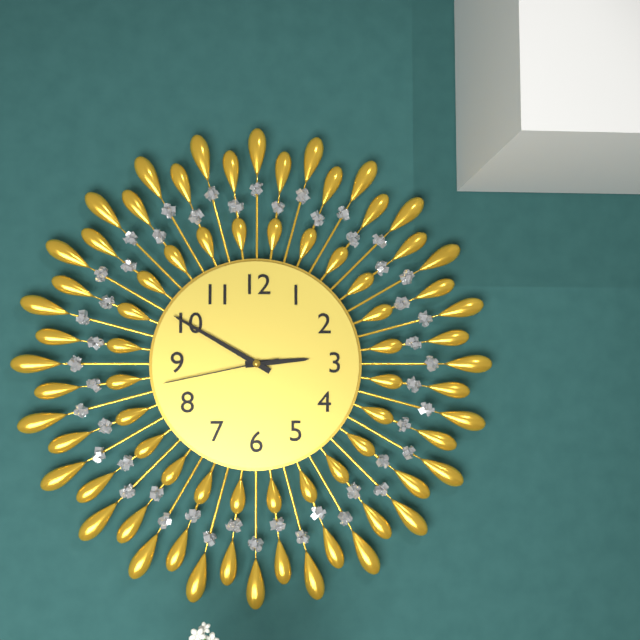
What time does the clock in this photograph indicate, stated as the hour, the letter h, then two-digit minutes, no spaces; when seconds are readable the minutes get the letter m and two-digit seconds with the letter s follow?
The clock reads 2h50m43s
